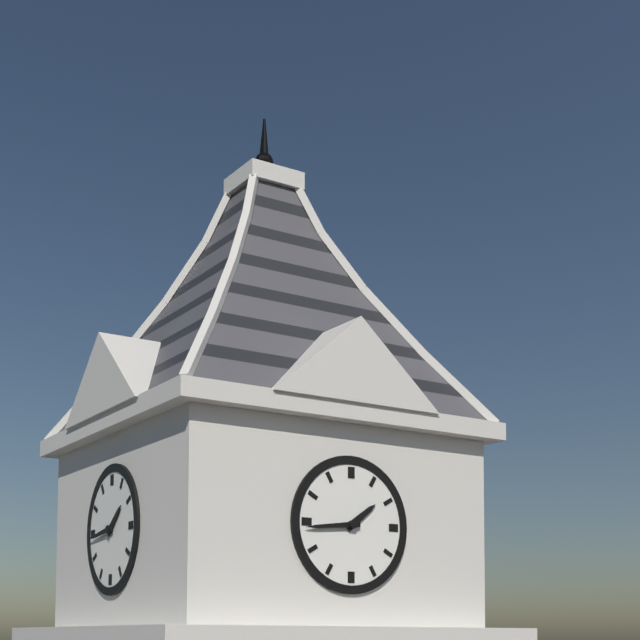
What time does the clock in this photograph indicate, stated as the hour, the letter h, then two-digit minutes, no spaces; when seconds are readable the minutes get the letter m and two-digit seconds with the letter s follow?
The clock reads 1h44
